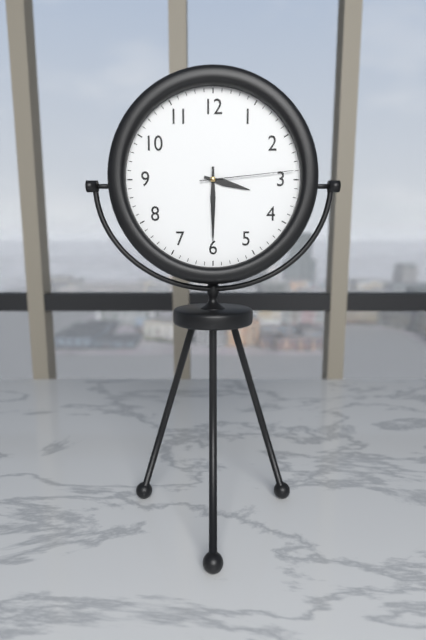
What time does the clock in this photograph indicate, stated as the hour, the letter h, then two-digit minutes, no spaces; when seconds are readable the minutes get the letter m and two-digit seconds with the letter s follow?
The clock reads 3h30m14s
